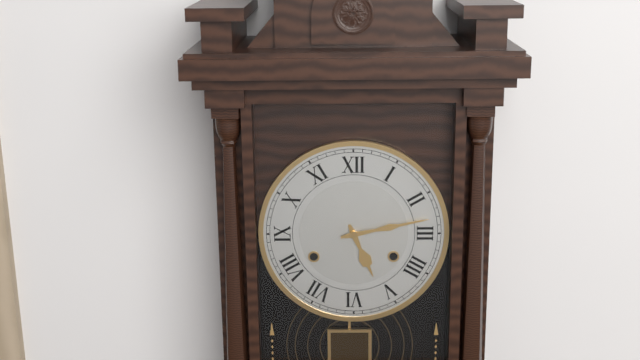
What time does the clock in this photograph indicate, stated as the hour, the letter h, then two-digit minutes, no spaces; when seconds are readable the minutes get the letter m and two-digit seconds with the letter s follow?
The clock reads 5h13
